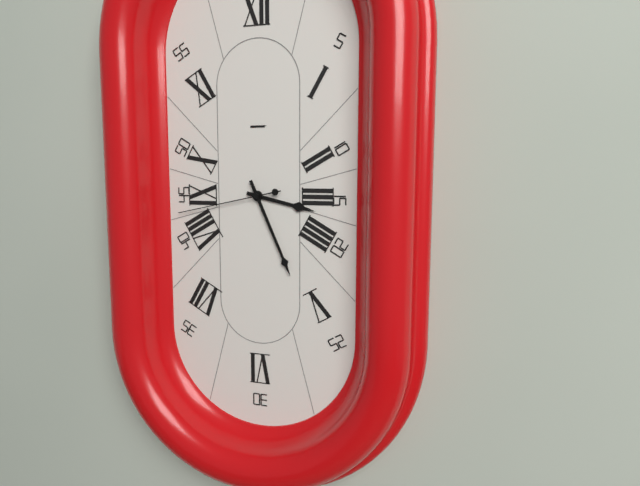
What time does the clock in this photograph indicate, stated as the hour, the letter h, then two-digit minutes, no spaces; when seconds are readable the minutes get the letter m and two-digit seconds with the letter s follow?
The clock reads 3h26m43s
